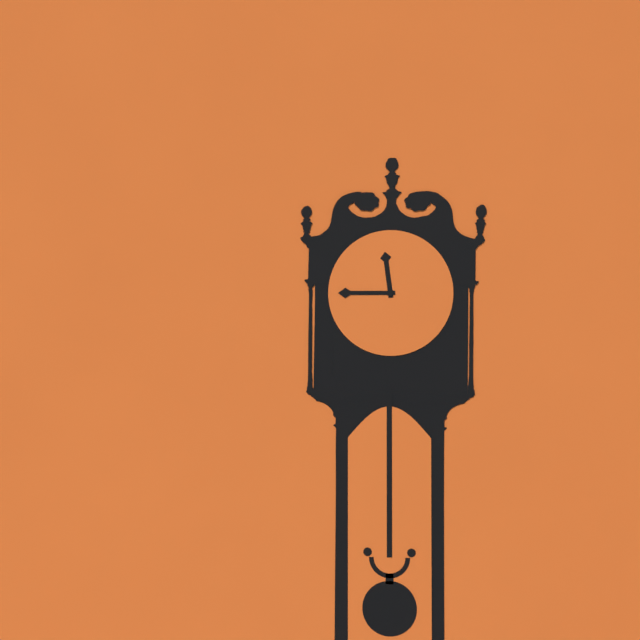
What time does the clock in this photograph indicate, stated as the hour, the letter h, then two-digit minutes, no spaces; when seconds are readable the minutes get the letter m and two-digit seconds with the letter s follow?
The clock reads 11h45
